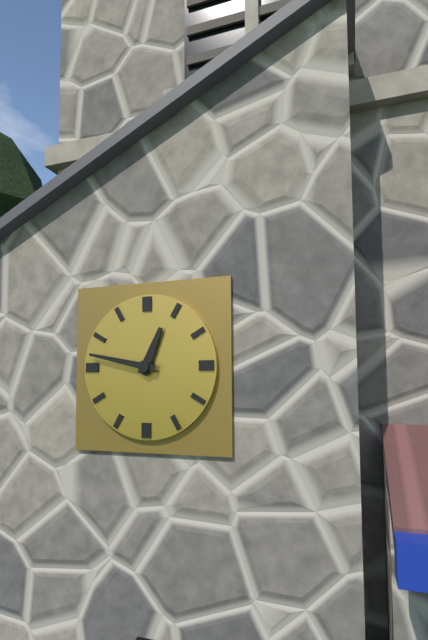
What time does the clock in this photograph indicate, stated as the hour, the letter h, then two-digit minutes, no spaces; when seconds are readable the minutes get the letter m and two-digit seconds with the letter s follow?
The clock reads 12h47
